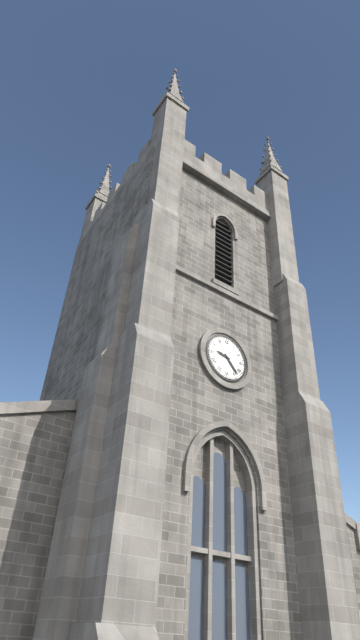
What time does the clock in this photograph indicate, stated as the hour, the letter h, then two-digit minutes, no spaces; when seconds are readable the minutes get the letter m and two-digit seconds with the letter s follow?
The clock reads 9h23
